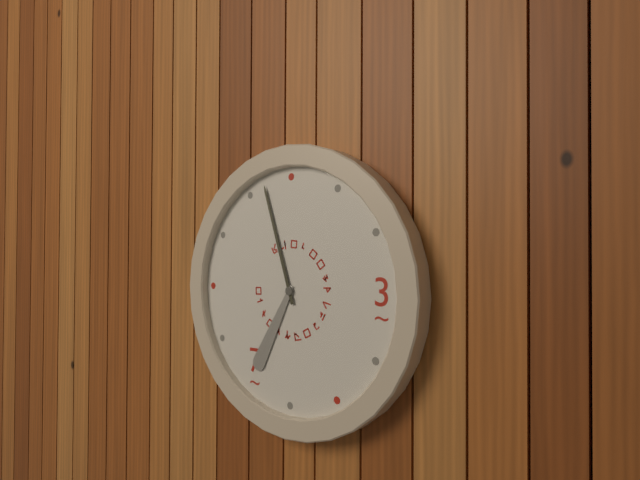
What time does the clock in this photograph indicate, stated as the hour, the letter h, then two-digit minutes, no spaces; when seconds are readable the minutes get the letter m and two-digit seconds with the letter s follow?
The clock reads 6h57
